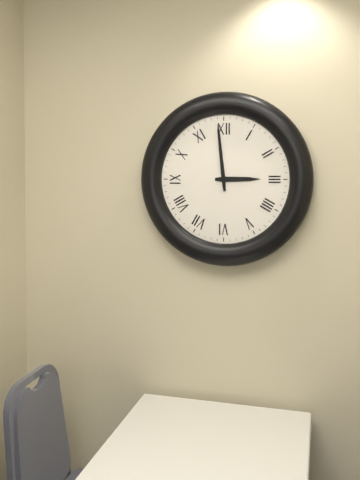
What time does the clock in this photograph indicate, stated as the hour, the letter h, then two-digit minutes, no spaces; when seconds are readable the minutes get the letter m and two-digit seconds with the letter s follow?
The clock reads 2h59
